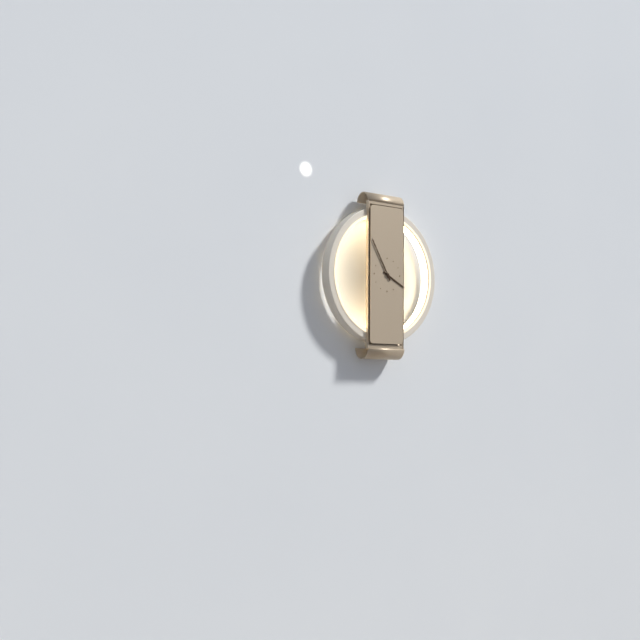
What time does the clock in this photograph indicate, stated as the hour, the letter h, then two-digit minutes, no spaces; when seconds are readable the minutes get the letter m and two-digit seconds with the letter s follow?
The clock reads 3h55
